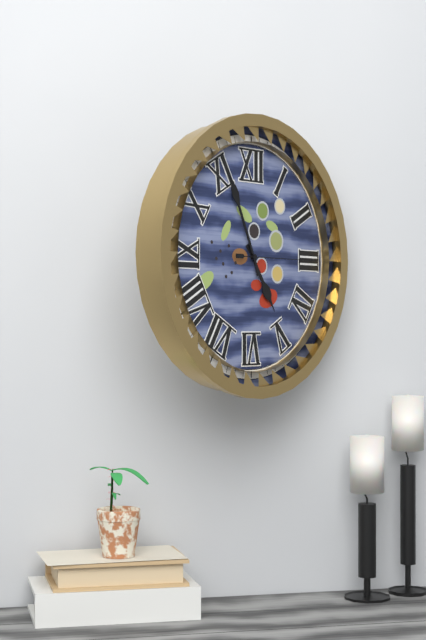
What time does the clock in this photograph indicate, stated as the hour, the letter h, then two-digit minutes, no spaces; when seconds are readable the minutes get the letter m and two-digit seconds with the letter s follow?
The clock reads 4h56m15s
